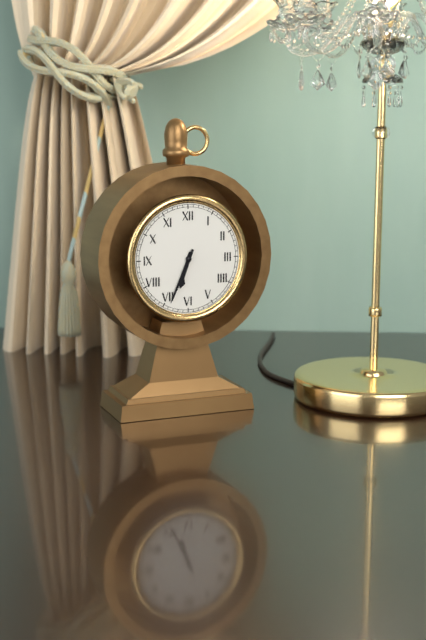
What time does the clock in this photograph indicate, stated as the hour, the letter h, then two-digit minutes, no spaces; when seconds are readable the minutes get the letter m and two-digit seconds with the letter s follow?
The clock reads 6h34
